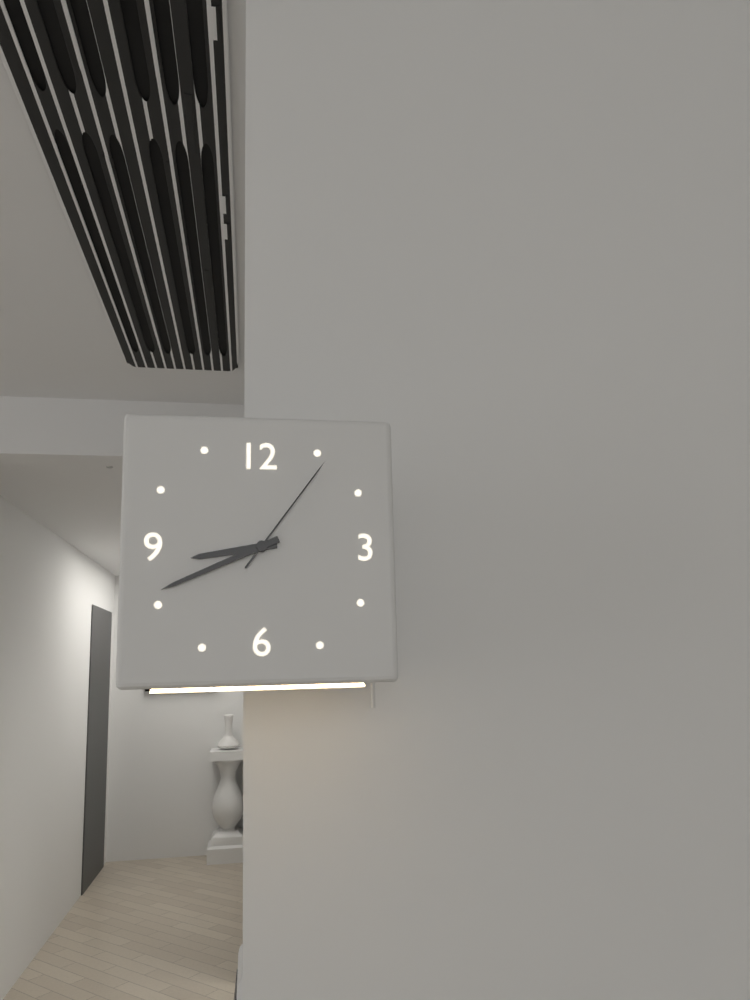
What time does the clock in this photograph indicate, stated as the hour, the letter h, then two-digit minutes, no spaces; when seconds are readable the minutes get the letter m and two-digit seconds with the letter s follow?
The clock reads 8h41m06s
